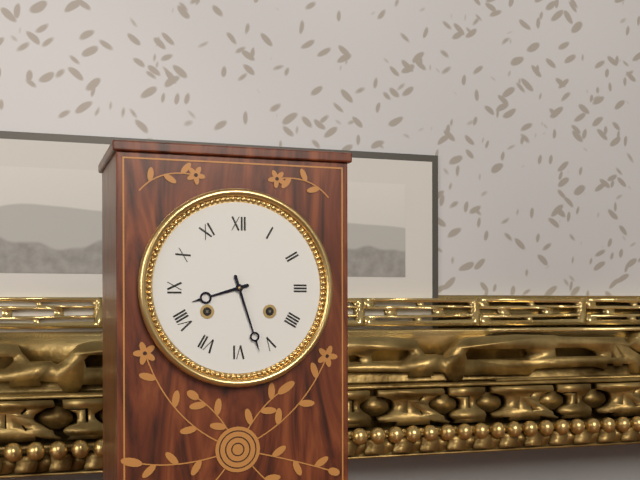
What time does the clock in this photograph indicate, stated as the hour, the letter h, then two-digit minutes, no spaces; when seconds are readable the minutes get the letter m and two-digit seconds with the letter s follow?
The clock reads 8h27
